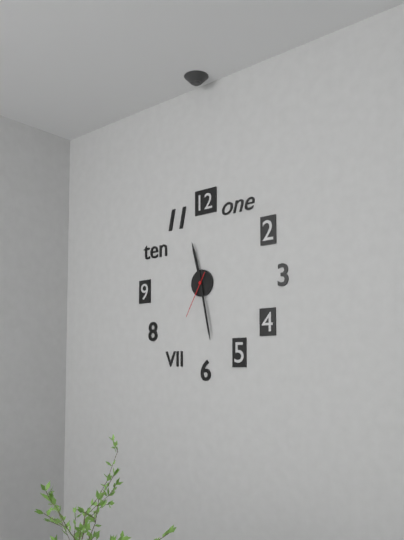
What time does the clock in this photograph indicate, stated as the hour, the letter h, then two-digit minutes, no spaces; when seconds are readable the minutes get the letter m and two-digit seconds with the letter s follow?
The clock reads 11h28
